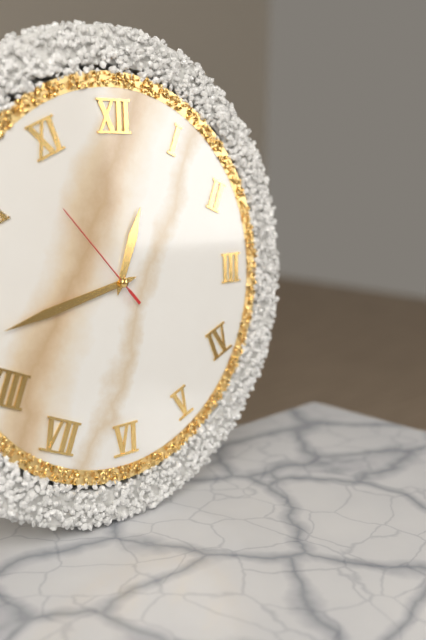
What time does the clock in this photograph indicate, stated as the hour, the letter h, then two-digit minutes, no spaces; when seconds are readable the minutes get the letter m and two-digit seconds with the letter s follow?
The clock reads 12h43m53s
